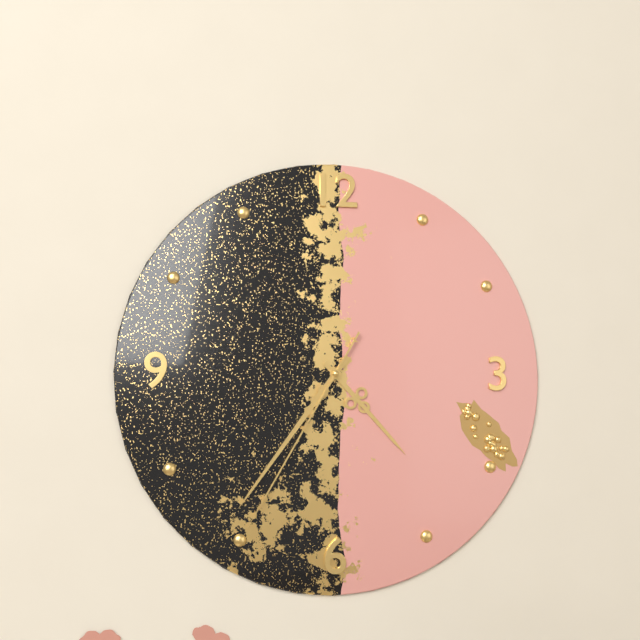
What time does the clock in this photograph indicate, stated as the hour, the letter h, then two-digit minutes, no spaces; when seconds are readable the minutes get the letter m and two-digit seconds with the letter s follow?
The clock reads 4h36m35s
